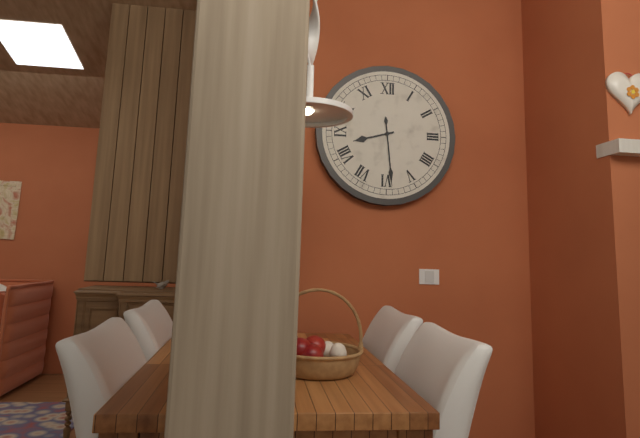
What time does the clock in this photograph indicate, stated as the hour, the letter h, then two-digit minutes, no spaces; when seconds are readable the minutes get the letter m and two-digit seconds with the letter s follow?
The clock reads 8h29
